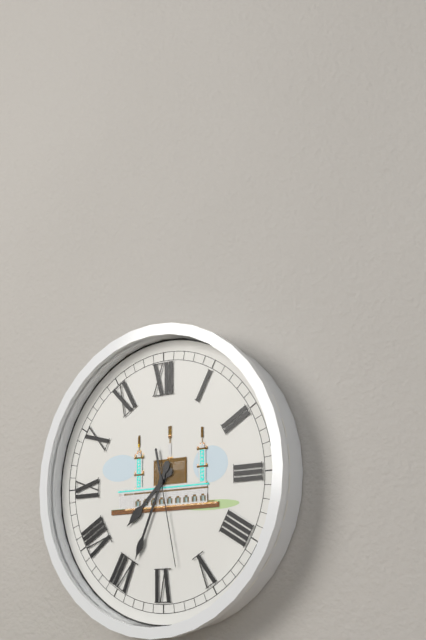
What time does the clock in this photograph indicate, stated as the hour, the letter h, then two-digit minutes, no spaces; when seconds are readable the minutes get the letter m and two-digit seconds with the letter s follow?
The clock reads 7h34m28s
